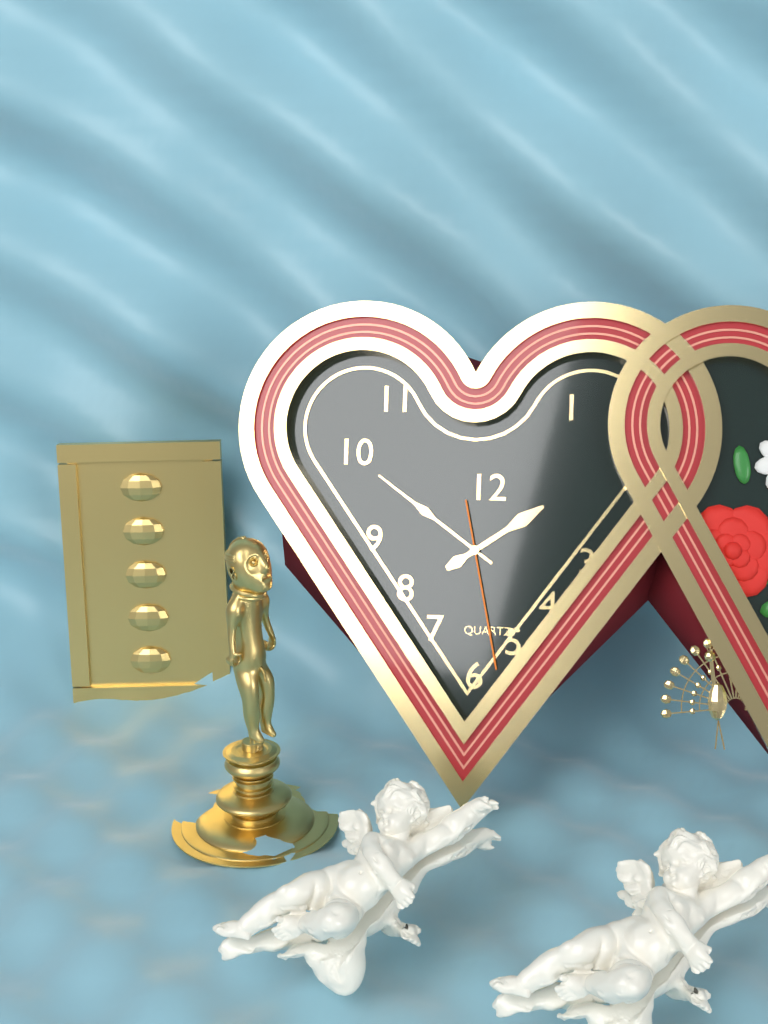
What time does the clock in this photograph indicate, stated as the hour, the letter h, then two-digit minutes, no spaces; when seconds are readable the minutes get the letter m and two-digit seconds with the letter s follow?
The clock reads 1h51m28s
